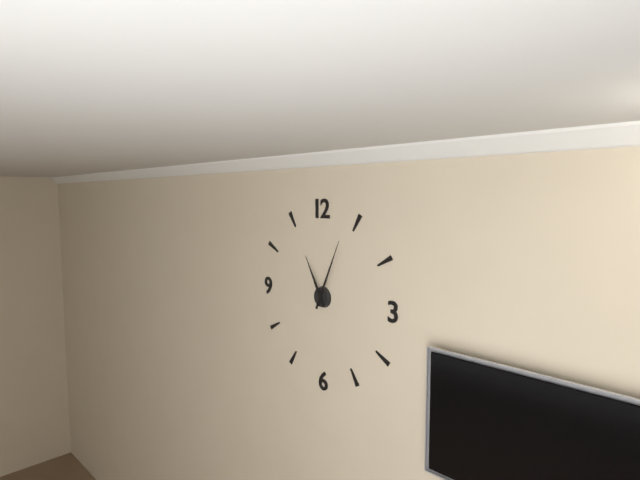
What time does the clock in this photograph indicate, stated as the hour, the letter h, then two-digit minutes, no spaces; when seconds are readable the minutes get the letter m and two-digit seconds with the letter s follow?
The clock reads 11h04
